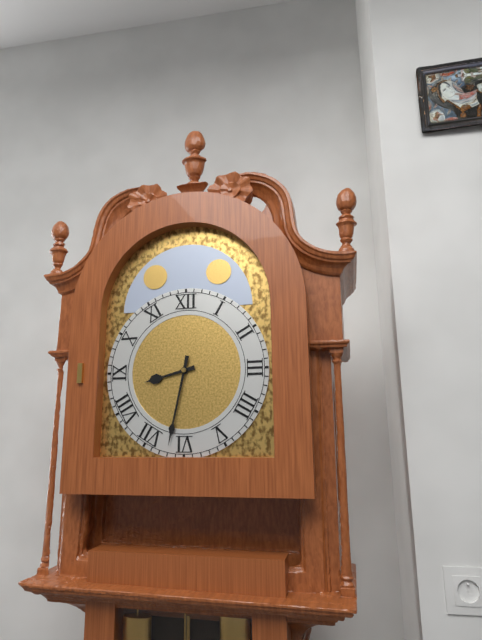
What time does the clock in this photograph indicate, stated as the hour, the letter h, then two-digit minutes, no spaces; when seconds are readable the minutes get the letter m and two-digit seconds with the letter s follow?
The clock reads 8h32
